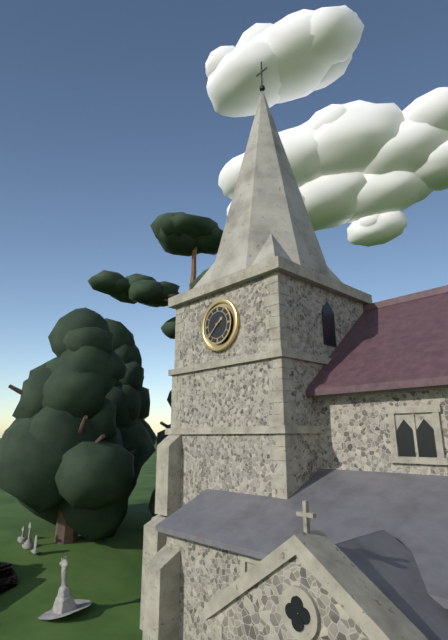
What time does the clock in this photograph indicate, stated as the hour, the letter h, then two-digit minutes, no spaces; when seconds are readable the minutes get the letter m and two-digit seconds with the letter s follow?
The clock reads 1h38
